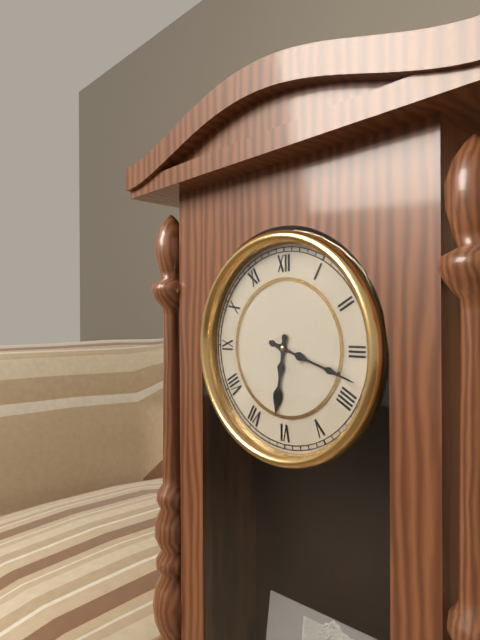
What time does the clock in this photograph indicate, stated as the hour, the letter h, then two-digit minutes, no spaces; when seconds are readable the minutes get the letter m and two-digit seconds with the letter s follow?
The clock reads 6h18
